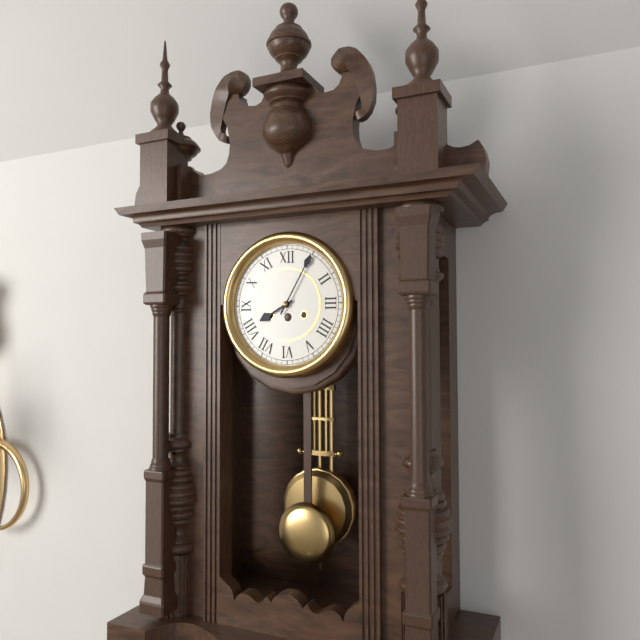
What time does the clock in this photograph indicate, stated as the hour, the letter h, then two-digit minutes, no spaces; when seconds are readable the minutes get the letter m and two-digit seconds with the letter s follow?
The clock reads 8h05
